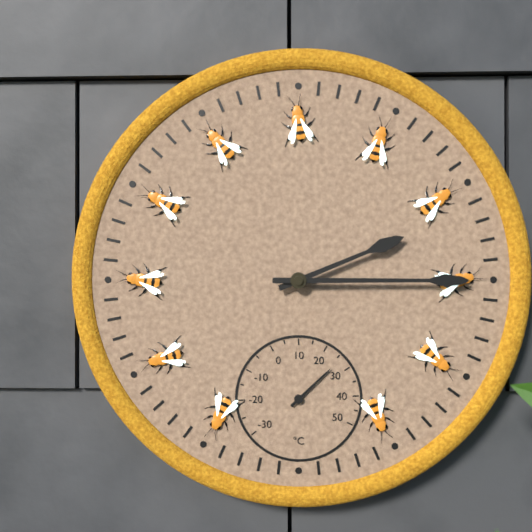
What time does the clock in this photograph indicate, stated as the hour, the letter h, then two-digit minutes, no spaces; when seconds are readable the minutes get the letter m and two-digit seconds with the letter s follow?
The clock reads 2h15
